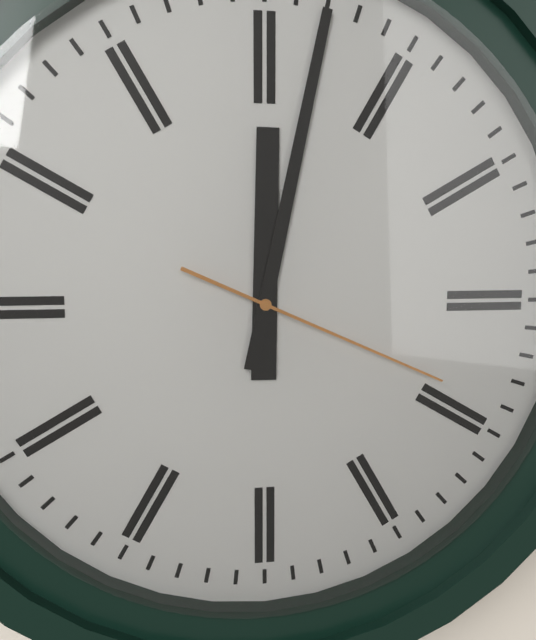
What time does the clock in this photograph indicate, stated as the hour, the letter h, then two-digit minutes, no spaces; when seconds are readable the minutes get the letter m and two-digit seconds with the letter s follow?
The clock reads 12h02m19s
